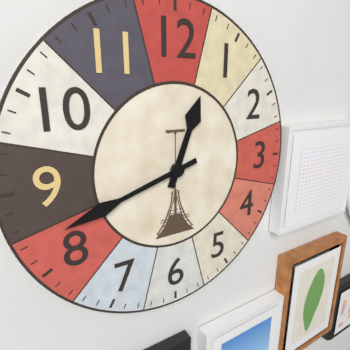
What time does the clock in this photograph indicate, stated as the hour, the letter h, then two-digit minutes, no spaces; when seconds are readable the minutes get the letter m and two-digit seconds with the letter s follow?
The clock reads 12h42
